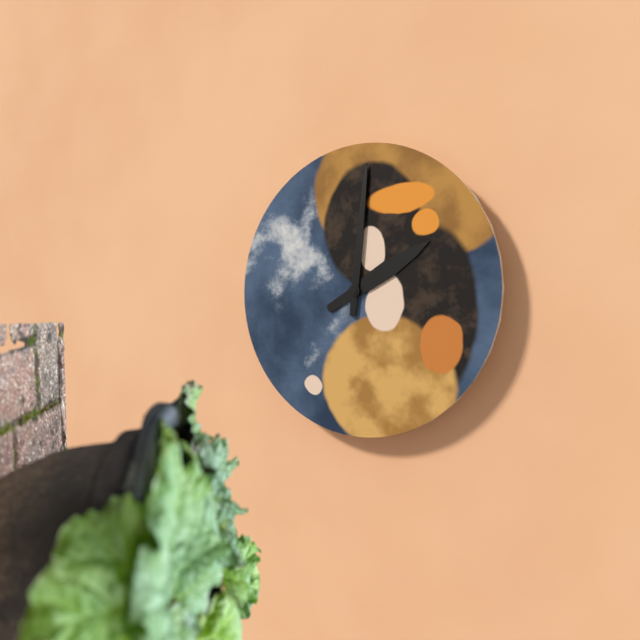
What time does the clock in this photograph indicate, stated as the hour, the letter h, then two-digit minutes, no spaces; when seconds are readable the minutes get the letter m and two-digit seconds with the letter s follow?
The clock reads 2h01
